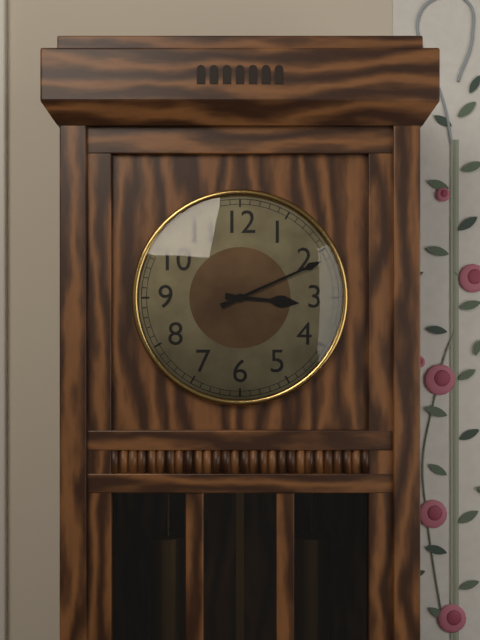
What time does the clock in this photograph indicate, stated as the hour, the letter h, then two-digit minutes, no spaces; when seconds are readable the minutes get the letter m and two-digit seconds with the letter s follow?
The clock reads 3h11
